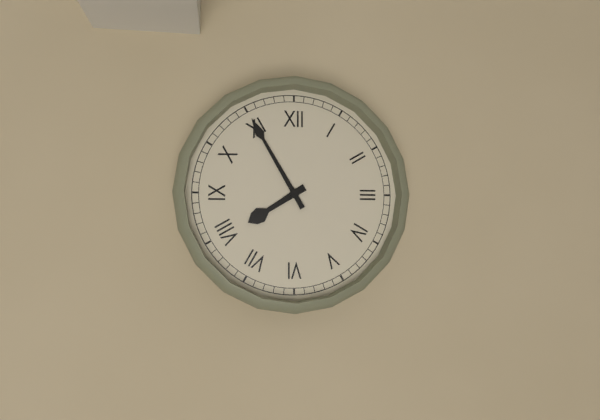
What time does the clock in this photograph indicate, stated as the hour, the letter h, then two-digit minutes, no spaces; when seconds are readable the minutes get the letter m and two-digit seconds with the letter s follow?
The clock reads 7h55
